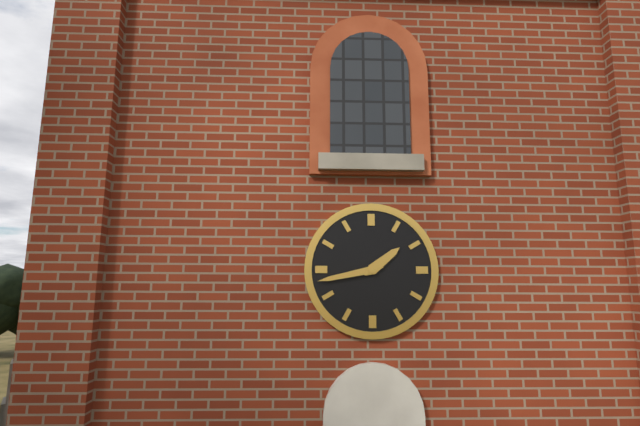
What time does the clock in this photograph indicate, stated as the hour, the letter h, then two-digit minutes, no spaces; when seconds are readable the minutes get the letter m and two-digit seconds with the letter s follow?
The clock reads 1h43
